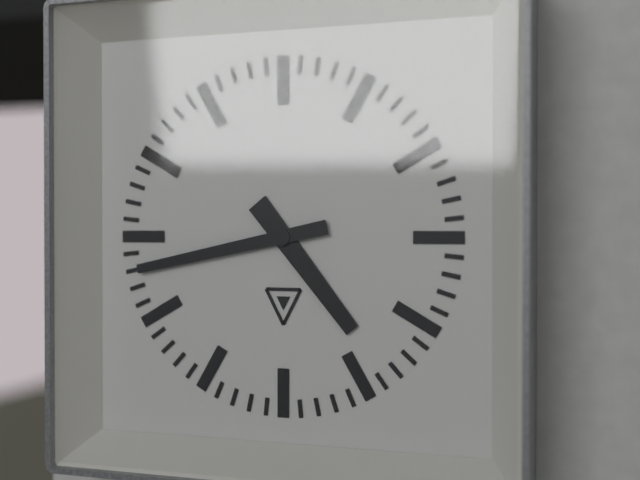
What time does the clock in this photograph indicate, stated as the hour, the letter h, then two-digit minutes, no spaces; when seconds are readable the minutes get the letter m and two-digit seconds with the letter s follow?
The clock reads 4h43
